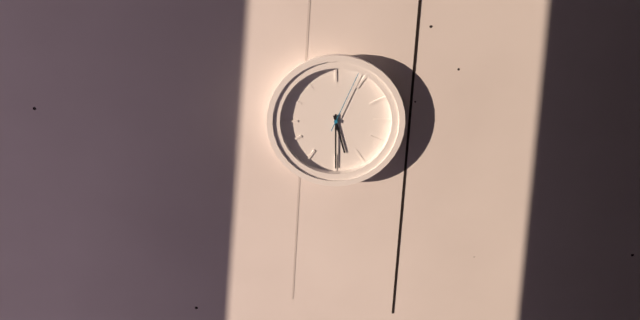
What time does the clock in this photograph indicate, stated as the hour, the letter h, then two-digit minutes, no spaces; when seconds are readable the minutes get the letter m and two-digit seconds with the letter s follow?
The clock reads 5h30m04s
